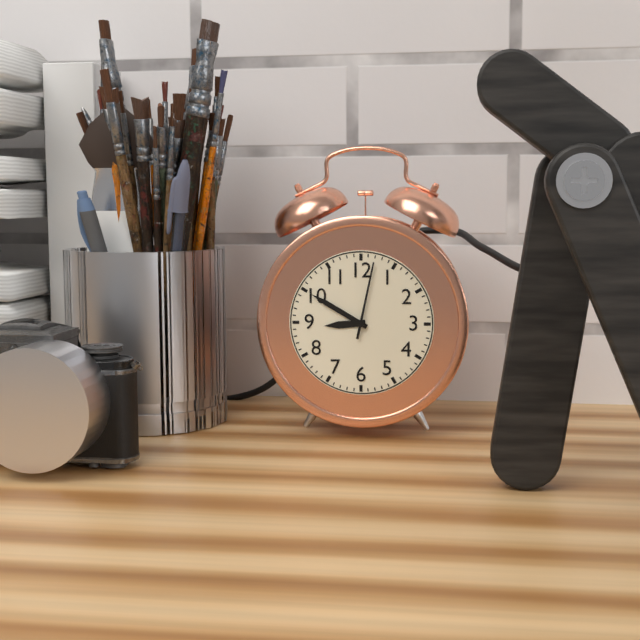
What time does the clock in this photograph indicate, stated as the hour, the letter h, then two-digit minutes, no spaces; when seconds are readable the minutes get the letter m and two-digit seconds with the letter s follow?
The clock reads 8h50m02s
